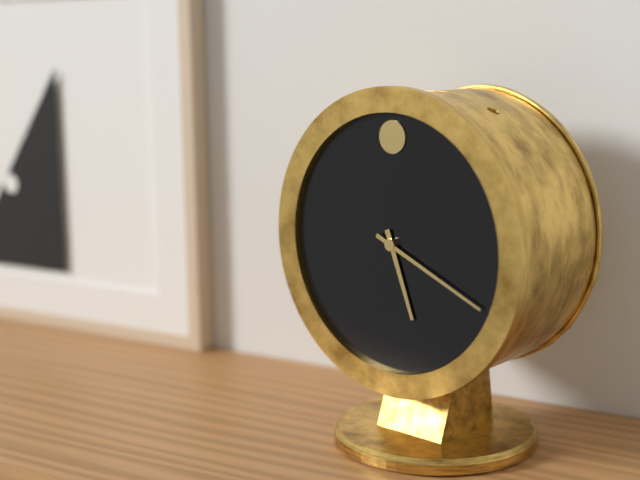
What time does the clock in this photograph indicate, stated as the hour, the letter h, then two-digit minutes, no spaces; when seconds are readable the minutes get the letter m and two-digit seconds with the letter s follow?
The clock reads 5h19
